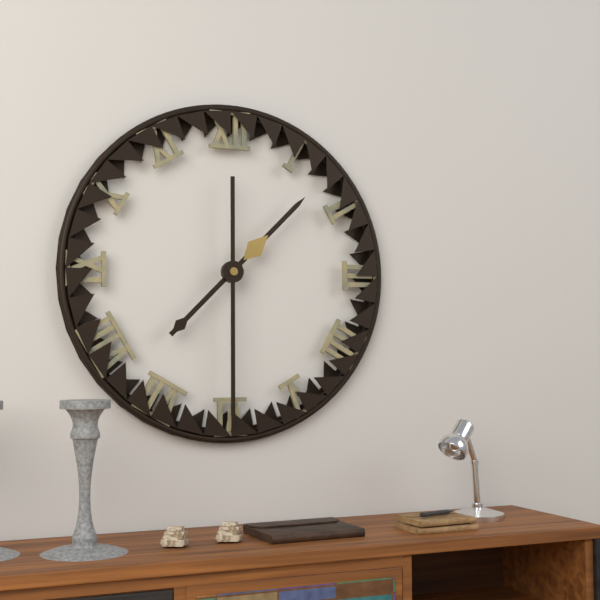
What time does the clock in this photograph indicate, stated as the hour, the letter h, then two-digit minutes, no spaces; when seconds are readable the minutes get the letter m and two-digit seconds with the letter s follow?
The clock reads 1h30
